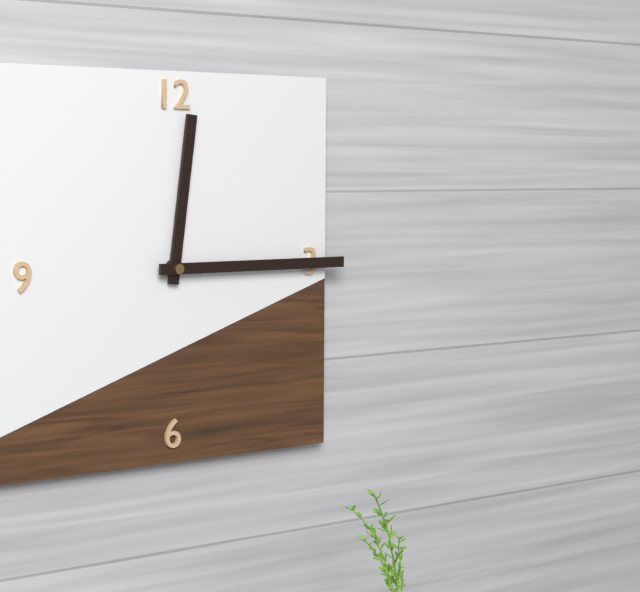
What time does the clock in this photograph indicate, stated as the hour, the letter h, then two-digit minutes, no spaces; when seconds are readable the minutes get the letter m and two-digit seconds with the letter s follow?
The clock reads 12h15
